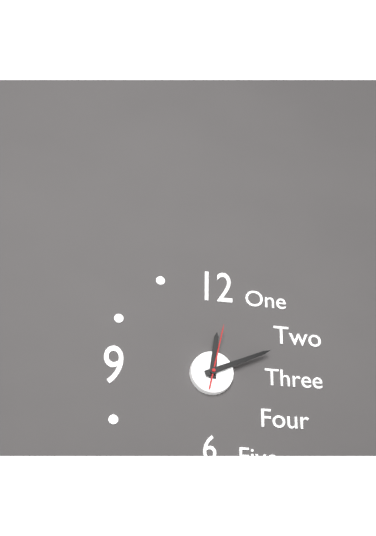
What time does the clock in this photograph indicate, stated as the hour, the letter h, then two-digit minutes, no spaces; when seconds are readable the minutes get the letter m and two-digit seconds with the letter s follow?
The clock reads 12h11m02s
